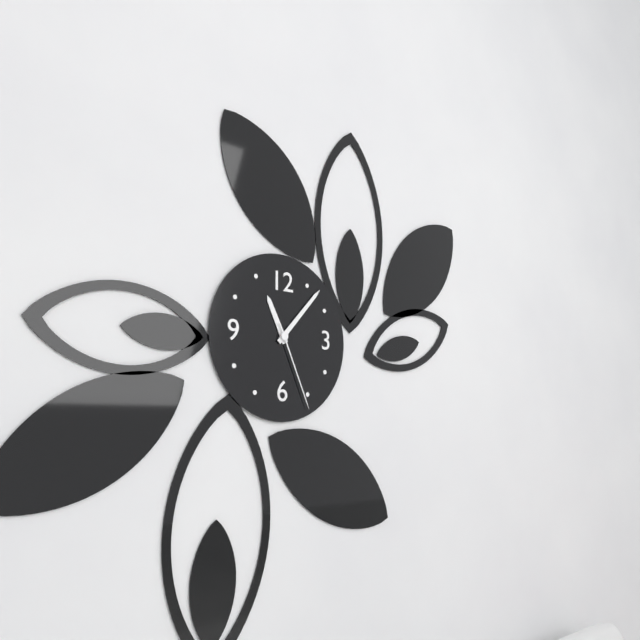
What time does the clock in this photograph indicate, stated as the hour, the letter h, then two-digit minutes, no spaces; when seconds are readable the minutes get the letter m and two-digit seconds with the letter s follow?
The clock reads 11h07m26s
